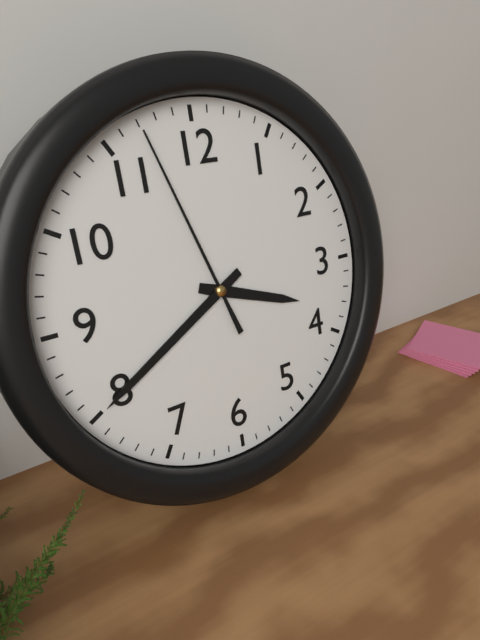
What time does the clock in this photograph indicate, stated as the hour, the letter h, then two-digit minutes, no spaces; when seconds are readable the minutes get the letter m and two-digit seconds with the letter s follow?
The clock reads 3h40m57s
